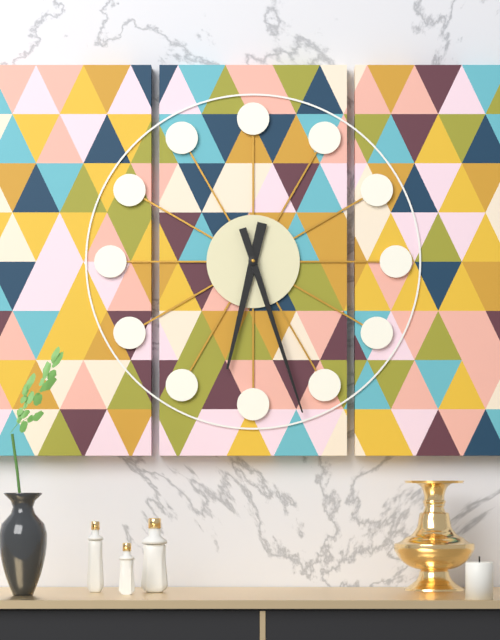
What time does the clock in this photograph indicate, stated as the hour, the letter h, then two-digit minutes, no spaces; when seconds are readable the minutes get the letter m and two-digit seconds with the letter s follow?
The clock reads 6h27
